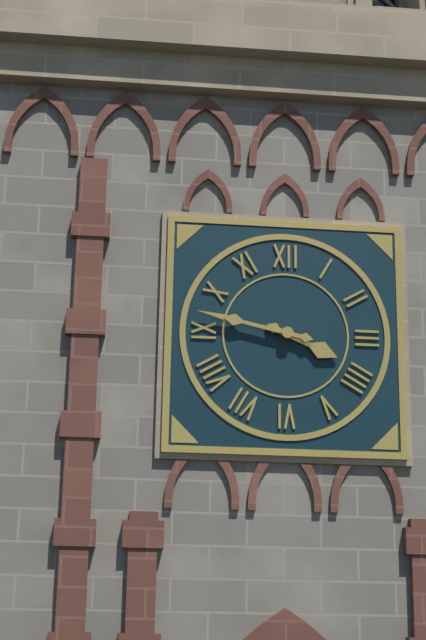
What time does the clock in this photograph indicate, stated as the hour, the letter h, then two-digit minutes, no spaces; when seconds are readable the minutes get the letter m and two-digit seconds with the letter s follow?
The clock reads 3h47
